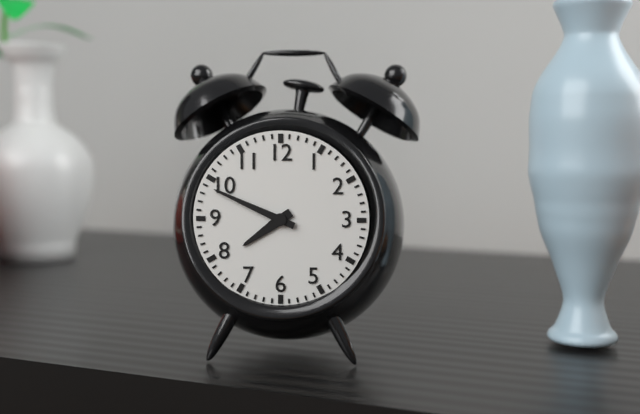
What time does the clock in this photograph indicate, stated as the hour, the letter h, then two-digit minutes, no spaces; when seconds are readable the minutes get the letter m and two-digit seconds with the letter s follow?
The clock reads 7h49
